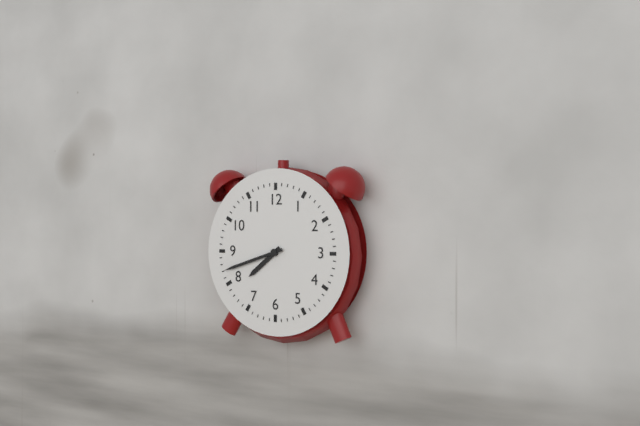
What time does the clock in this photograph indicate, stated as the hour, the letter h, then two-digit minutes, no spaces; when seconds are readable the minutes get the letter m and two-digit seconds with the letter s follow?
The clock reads 7h42
